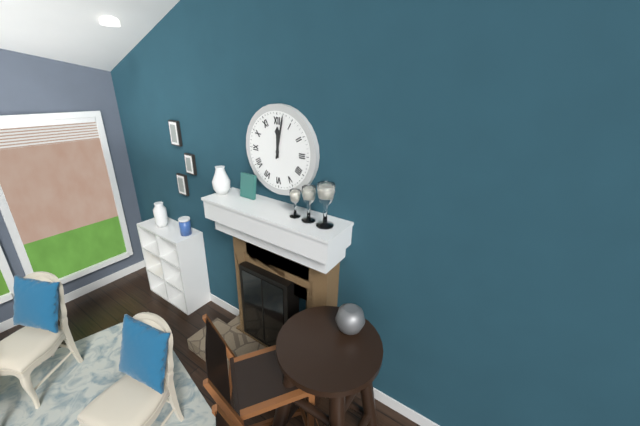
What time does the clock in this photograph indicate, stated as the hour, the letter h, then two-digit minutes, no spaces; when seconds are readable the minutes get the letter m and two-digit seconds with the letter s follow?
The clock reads 12h02
